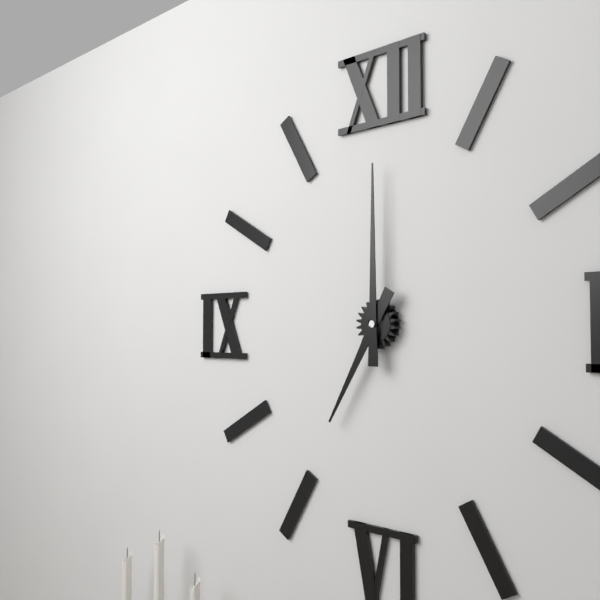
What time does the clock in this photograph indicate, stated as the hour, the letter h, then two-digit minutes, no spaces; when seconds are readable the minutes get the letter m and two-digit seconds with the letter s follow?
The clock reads 7h00
